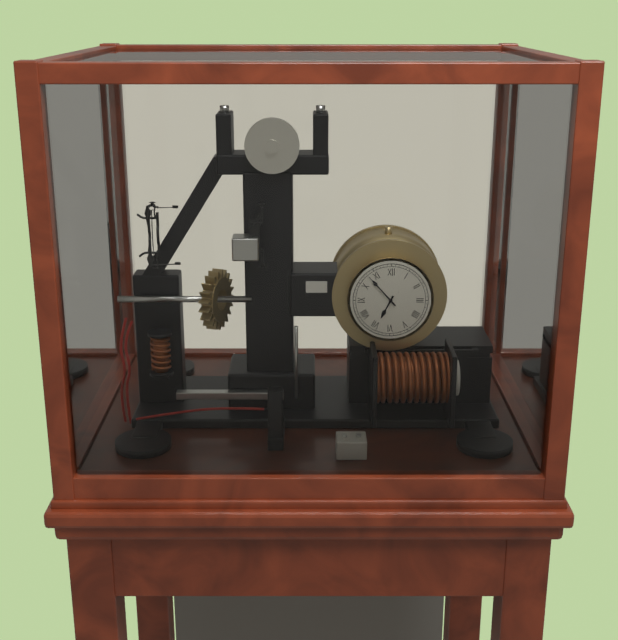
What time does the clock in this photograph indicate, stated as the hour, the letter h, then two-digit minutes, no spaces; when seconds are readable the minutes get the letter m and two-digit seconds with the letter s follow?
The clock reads 6h53
